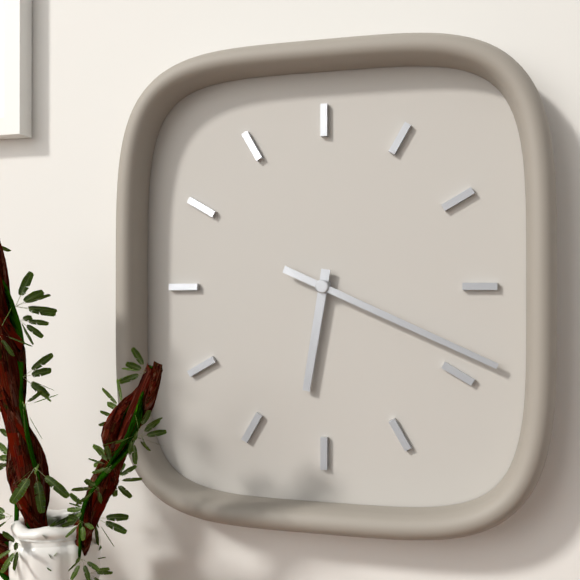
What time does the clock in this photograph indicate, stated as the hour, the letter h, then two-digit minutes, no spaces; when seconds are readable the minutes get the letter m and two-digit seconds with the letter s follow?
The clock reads 6h19
